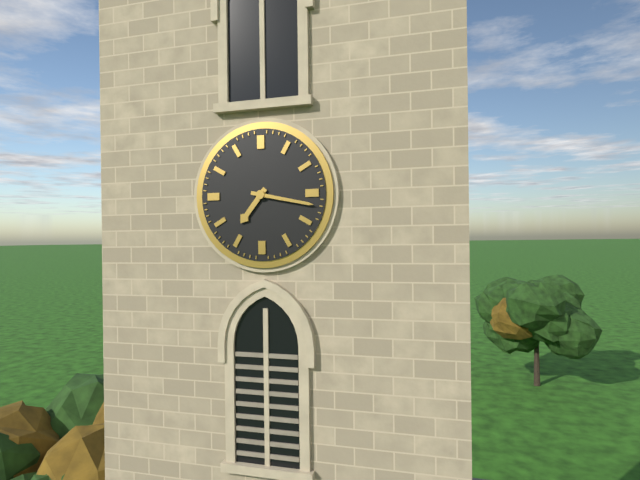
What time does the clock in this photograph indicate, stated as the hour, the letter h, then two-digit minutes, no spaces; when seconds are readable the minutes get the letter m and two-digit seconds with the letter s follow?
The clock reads 7h17
